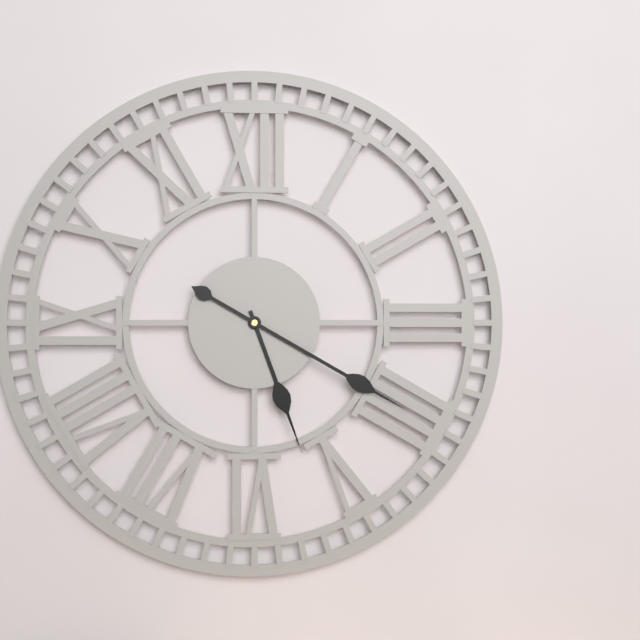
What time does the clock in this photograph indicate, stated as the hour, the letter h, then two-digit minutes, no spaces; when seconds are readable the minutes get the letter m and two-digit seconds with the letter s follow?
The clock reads 5h20
